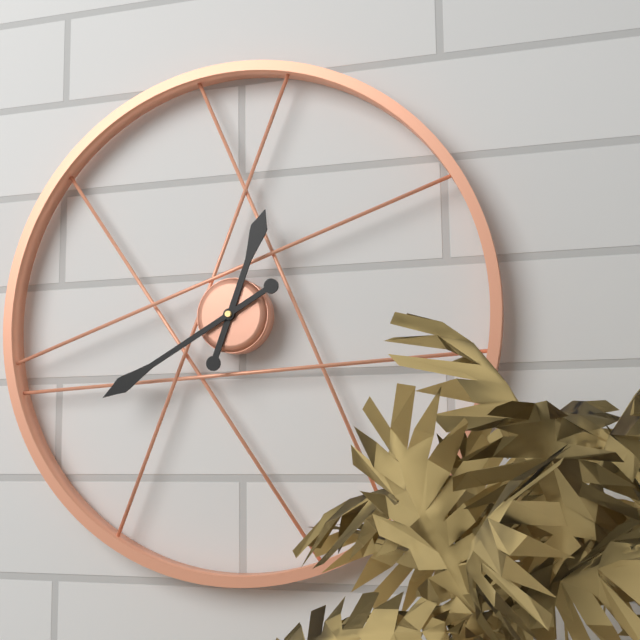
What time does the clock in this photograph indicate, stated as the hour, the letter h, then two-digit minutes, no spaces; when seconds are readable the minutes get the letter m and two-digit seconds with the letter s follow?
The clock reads 12h40
